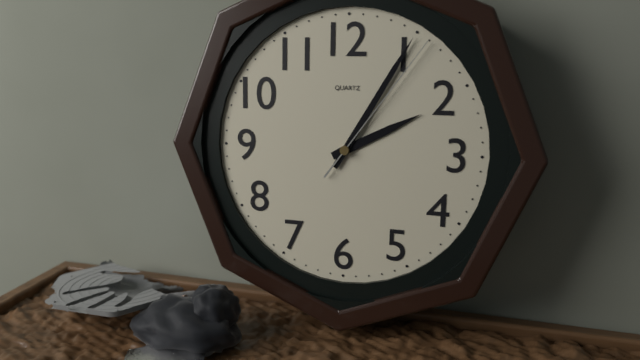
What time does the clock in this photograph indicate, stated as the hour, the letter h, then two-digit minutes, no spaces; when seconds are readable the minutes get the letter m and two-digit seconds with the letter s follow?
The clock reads 2h05m06s
